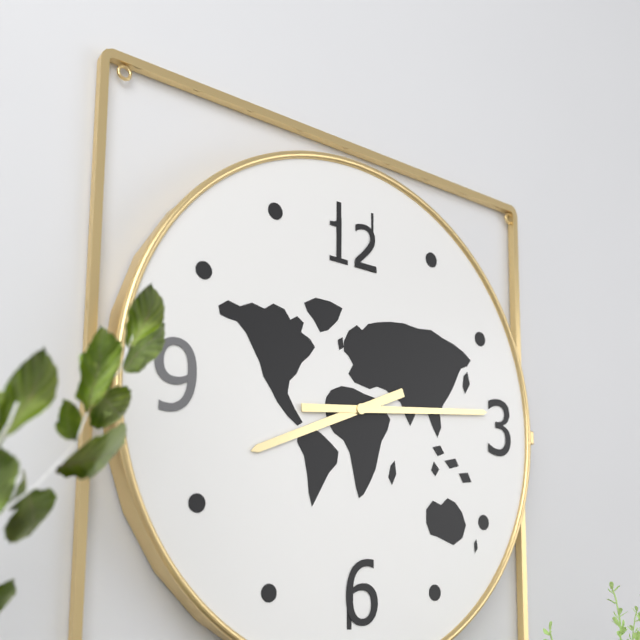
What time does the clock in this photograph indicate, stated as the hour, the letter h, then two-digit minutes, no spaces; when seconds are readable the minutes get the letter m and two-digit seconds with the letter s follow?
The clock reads 8h14
